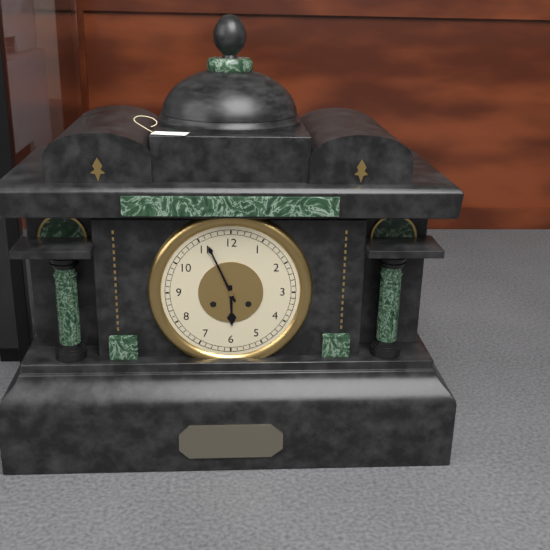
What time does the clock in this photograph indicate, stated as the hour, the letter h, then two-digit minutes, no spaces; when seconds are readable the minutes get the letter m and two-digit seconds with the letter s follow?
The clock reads 5h56
